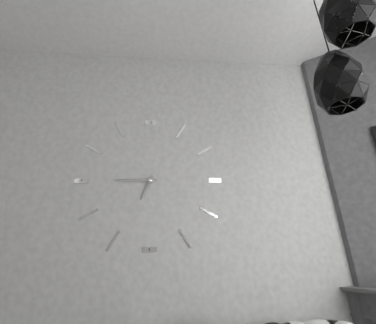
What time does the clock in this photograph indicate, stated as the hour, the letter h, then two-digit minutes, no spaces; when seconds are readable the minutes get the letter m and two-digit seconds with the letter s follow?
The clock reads 6h45
